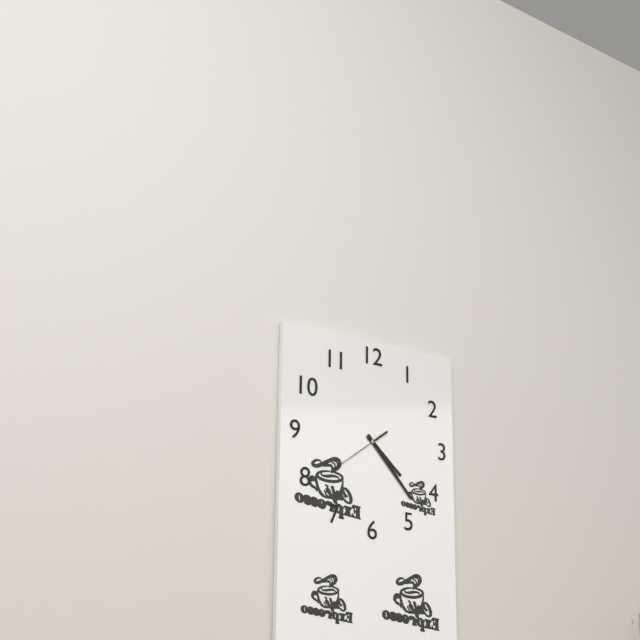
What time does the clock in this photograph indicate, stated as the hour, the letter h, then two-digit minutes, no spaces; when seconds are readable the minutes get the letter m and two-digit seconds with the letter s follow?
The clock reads 4h23m39s
